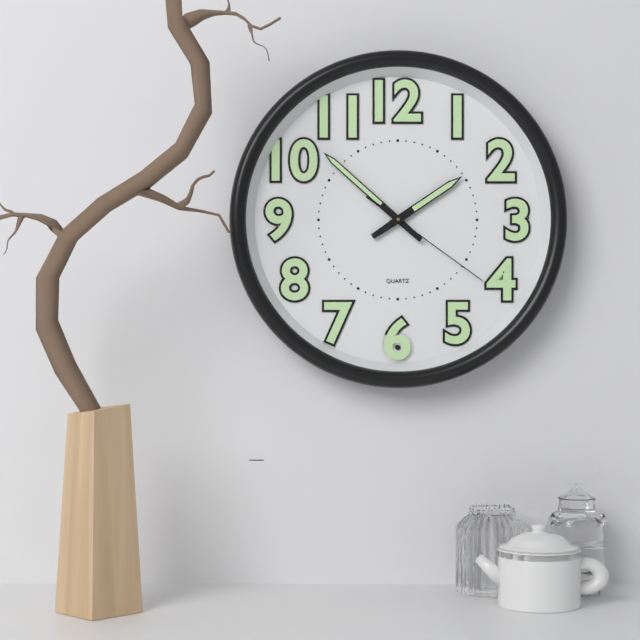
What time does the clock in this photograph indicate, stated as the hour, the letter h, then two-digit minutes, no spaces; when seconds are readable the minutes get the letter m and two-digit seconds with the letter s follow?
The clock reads 1h52m21s
